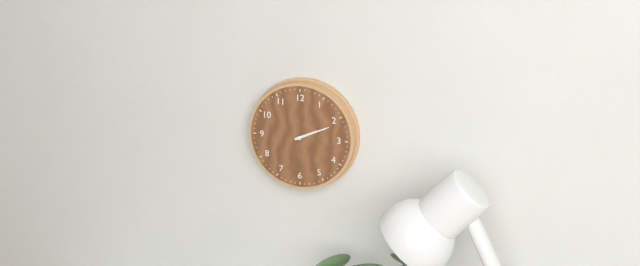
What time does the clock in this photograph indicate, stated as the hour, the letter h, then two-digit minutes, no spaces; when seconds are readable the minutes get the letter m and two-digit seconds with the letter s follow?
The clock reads 2h11
